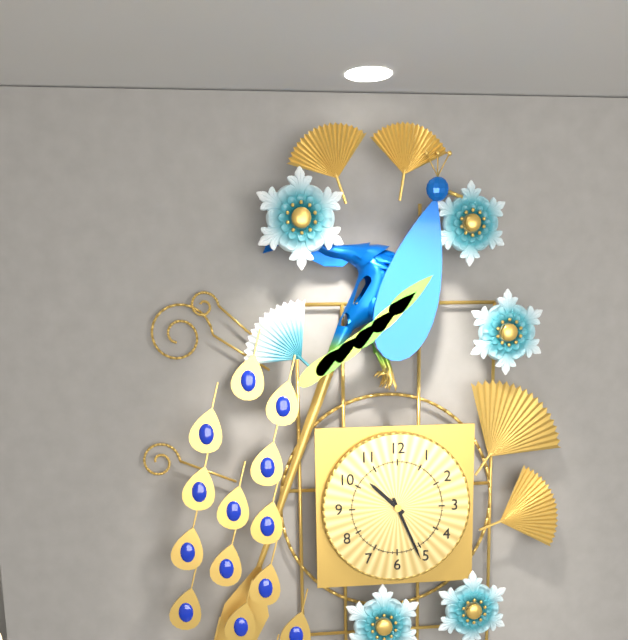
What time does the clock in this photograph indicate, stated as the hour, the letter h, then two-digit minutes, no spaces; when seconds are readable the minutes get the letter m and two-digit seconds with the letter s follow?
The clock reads 10h26
